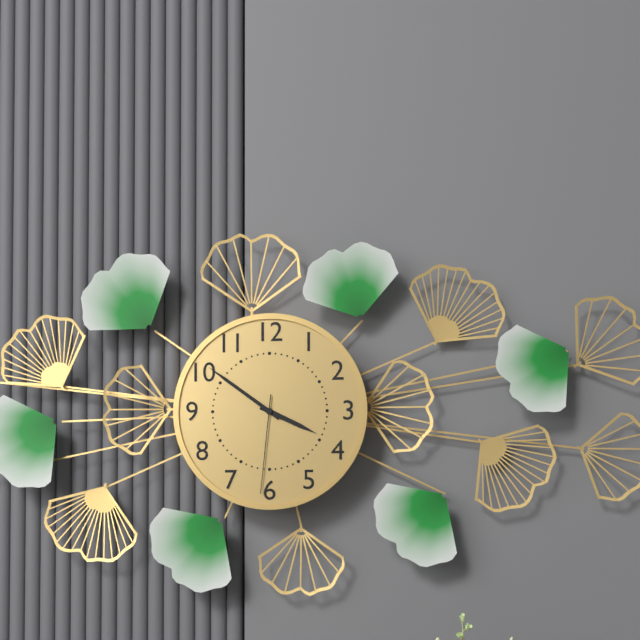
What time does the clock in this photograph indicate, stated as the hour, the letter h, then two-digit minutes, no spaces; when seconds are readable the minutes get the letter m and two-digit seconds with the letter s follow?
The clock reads 3h51m31s
